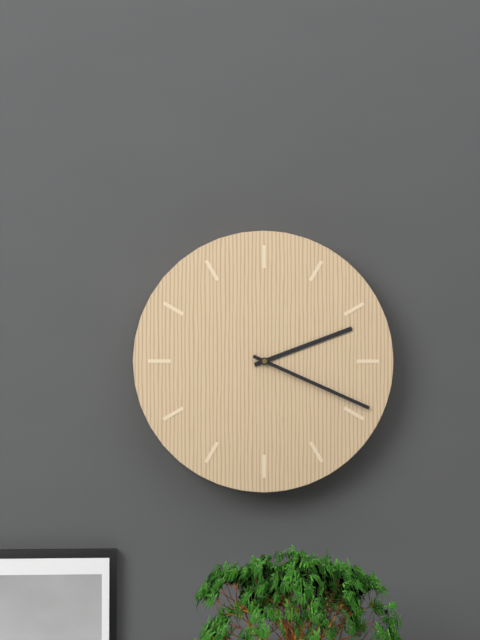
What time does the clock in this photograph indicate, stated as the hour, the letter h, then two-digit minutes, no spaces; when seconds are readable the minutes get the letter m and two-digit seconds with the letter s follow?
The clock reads 2h19
